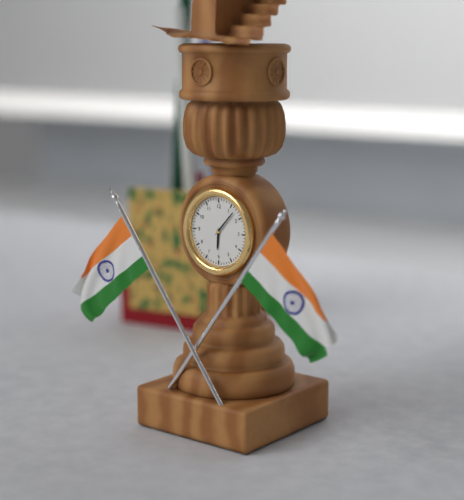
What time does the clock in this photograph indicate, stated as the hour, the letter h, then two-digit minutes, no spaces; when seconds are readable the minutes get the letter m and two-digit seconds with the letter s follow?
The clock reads 6h07
